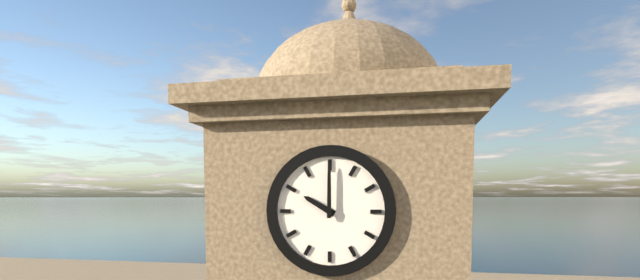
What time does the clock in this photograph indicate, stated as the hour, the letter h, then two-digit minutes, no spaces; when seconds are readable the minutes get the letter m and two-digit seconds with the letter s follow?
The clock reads 10h00
